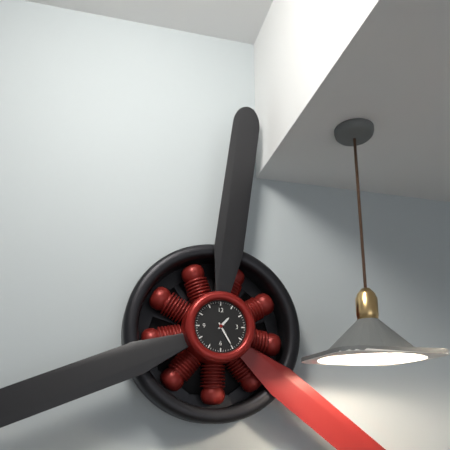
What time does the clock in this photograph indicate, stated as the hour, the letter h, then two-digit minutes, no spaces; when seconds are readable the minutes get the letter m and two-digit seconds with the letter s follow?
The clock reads 1h25
